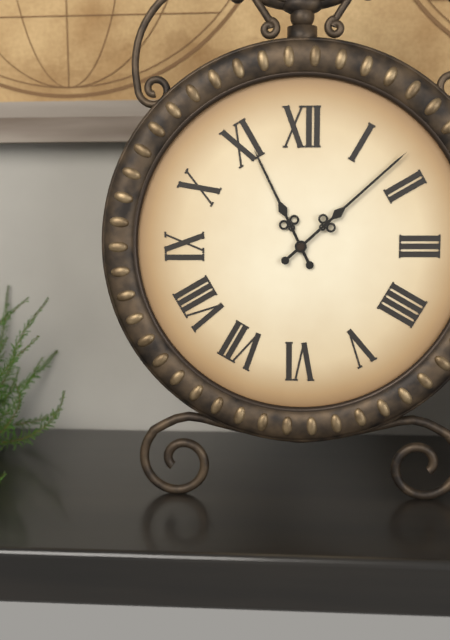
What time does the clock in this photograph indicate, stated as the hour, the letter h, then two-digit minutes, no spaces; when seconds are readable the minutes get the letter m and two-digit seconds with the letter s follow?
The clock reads 11h08
